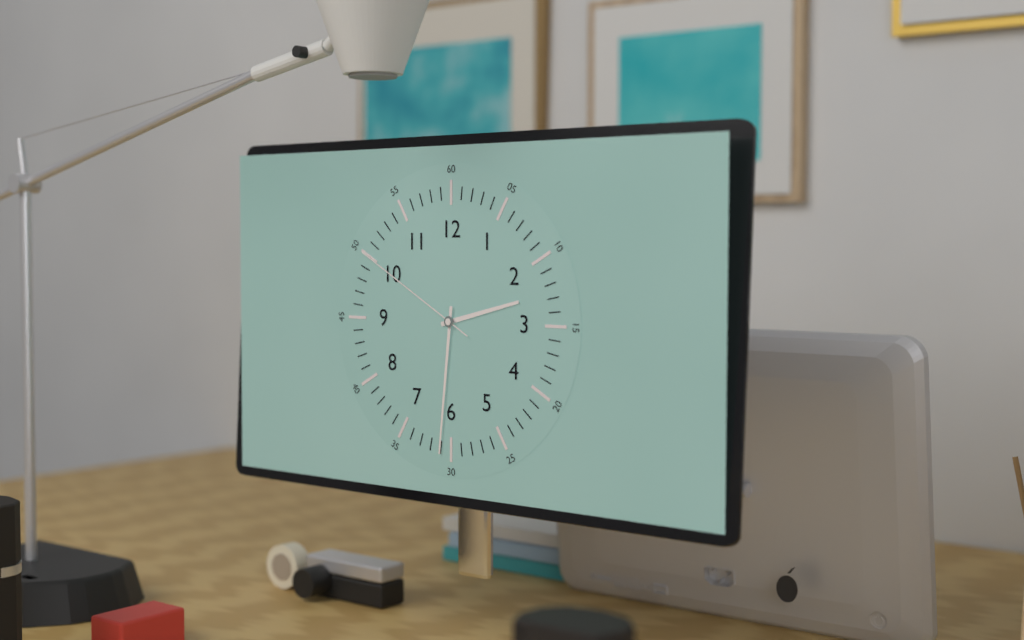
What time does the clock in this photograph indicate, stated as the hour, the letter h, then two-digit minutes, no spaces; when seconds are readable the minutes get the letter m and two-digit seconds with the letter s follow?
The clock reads 2h31m50s
